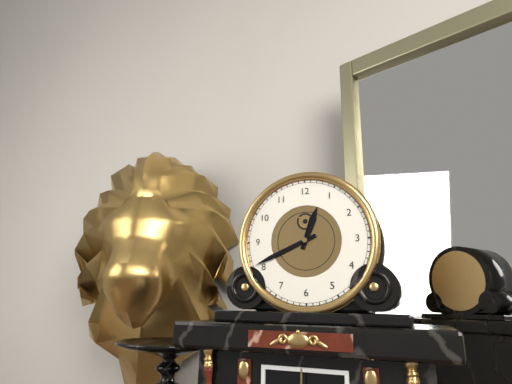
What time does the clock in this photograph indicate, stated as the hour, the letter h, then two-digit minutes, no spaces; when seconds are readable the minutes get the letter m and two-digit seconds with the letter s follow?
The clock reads 12h41
